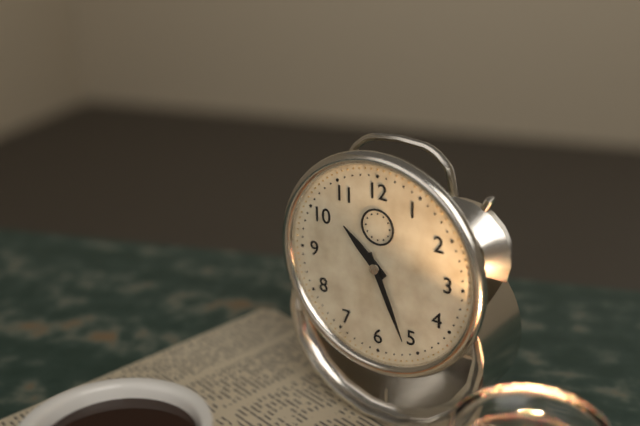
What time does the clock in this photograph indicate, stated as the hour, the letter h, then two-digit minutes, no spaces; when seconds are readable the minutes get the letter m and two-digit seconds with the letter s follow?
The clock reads 10h26
